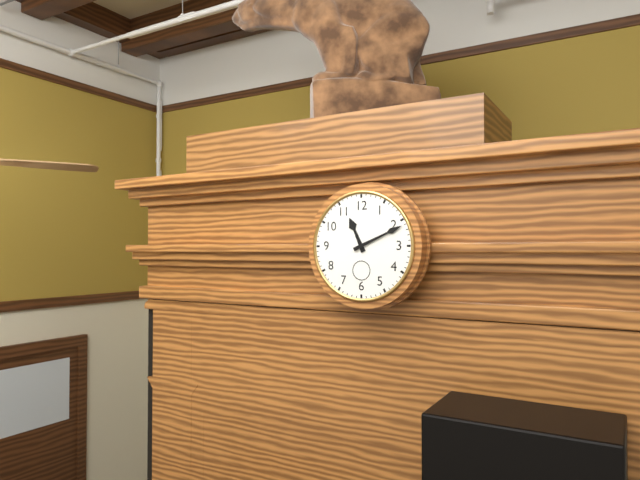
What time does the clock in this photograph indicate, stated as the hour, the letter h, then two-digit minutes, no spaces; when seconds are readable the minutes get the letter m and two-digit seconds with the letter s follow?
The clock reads 11h11
